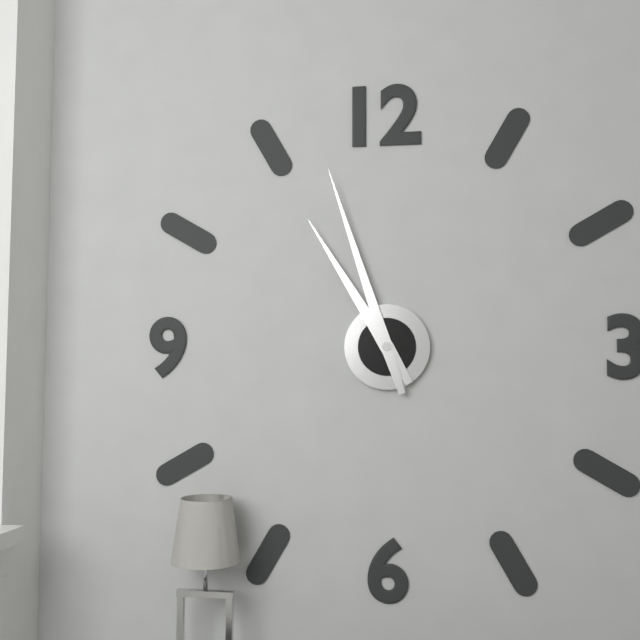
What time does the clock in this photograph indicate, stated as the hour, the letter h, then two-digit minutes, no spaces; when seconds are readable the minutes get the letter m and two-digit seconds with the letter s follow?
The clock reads 10h57
